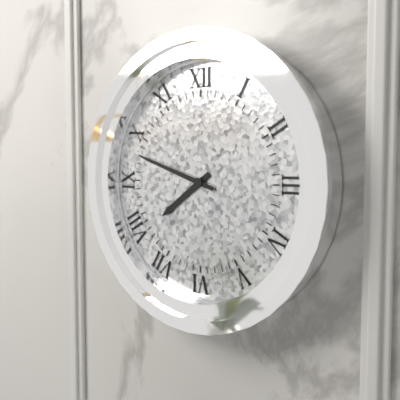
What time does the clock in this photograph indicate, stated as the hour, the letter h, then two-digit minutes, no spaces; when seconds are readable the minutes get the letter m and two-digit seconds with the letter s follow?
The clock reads 7h48
